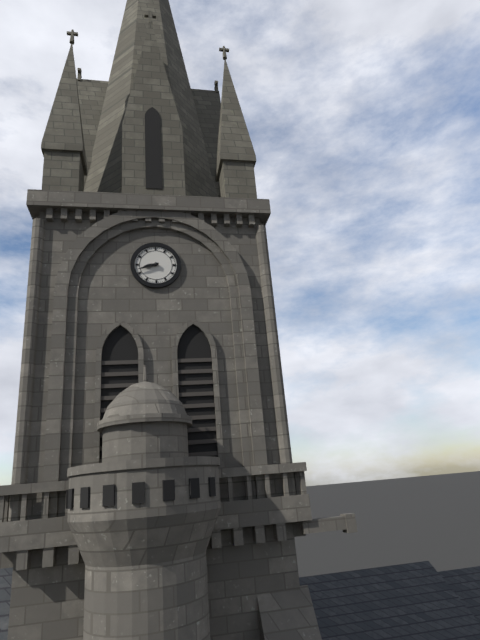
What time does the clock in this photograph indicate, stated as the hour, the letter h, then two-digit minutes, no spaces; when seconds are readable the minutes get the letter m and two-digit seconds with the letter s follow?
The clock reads 8h42
